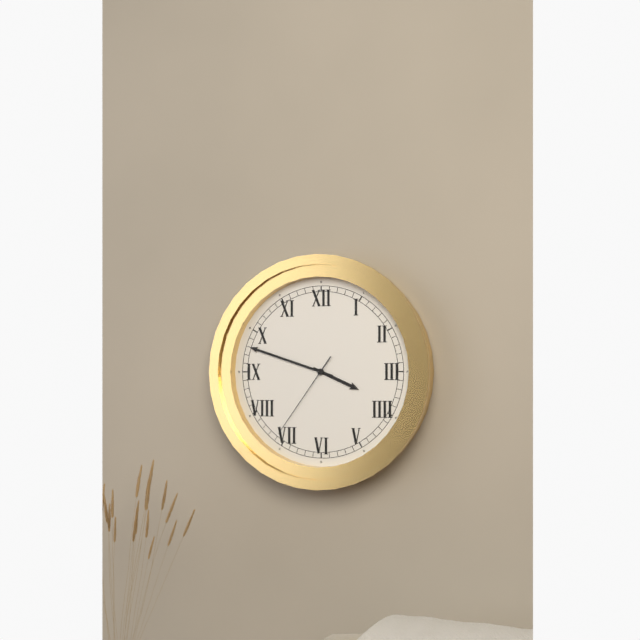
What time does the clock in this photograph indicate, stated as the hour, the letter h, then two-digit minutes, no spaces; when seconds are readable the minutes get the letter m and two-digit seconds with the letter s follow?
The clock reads 3h48m36s
